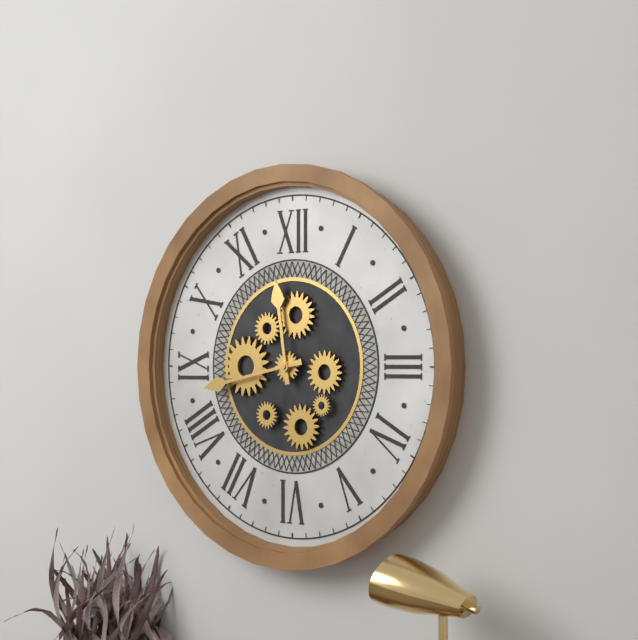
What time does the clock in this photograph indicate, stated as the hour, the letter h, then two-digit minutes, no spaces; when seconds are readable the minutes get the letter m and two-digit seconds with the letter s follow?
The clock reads 11h43
